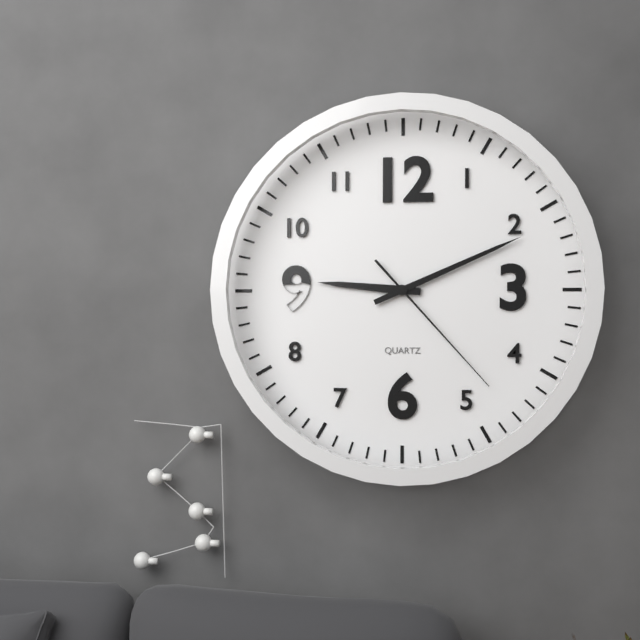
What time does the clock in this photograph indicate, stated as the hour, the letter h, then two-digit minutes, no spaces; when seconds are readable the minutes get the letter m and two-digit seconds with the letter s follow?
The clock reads 9h11m23s
